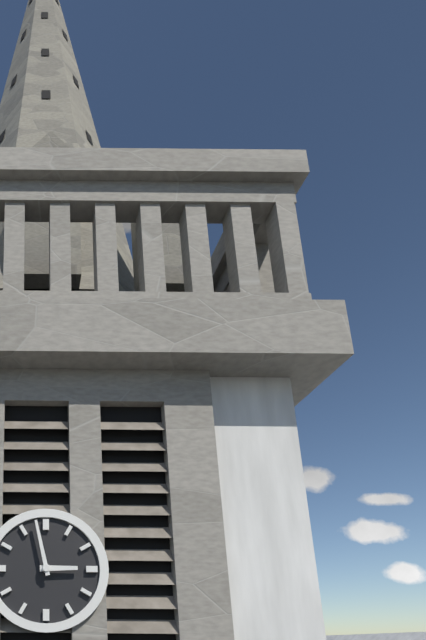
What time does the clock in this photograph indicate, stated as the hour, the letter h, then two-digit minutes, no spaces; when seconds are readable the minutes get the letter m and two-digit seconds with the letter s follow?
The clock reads 2h58
